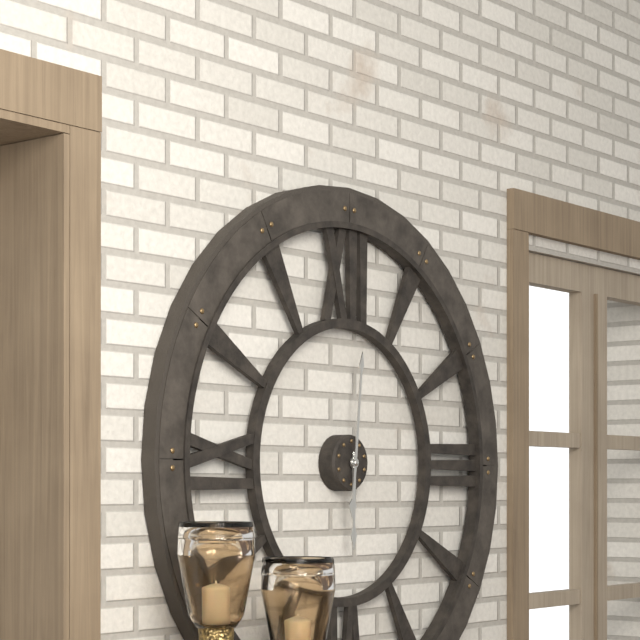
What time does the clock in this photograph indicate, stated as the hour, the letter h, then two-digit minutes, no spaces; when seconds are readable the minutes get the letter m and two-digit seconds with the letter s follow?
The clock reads 6h01
